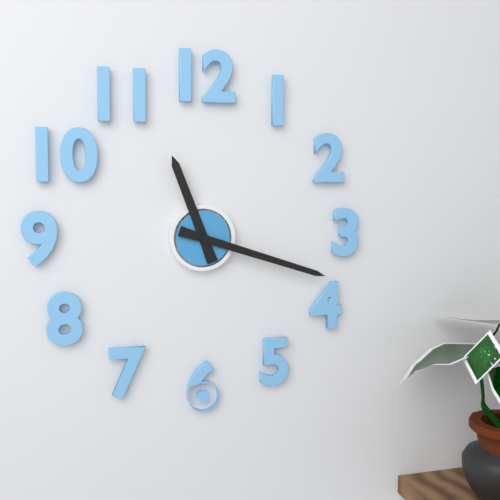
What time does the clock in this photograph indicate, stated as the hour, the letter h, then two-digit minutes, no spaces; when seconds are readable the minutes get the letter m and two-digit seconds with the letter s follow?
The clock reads 11h18
